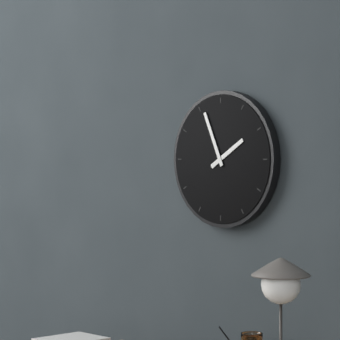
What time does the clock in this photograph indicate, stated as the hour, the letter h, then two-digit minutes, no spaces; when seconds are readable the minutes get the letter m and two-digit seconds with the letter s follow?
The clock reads 1h56
